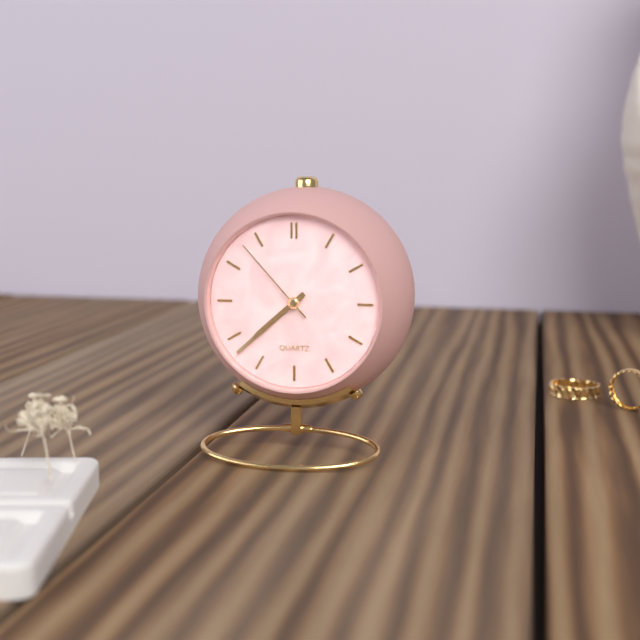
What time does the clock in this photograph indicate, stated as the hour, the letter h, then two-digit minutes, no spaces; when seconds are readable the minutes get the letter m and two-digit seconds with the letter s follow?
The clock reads 7h38m53s
